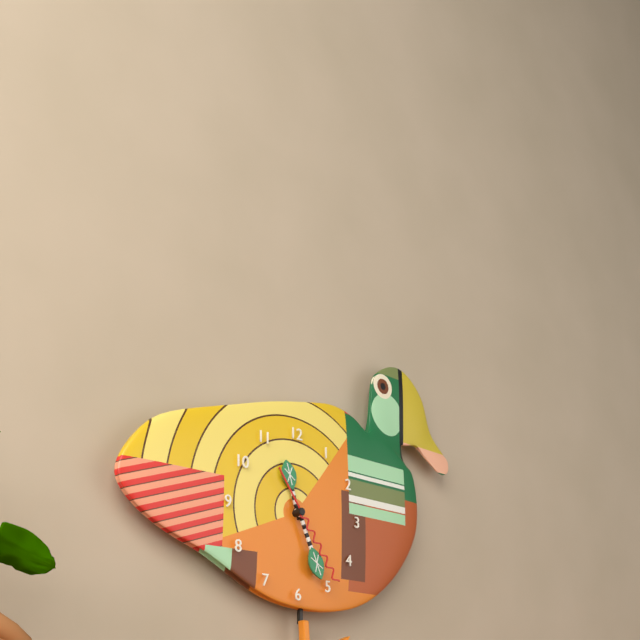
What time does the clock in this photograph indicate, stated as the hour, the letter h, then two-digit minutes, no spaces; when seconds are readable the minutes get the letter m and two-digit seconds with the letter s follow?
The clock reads 11h26m24s
